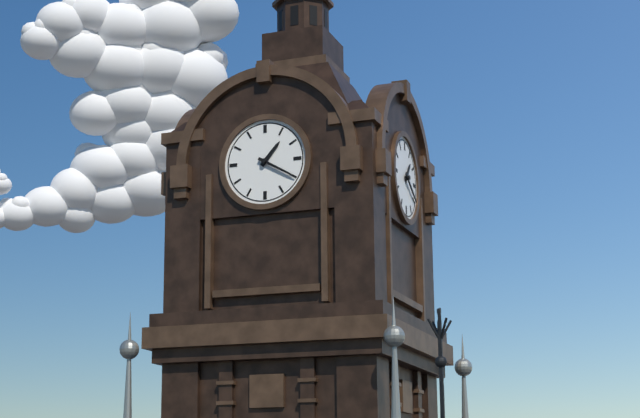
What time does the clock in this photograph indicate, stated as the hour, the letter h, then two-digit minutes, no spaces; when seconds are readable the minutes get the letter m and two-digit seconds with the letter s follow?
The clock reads 1h20
